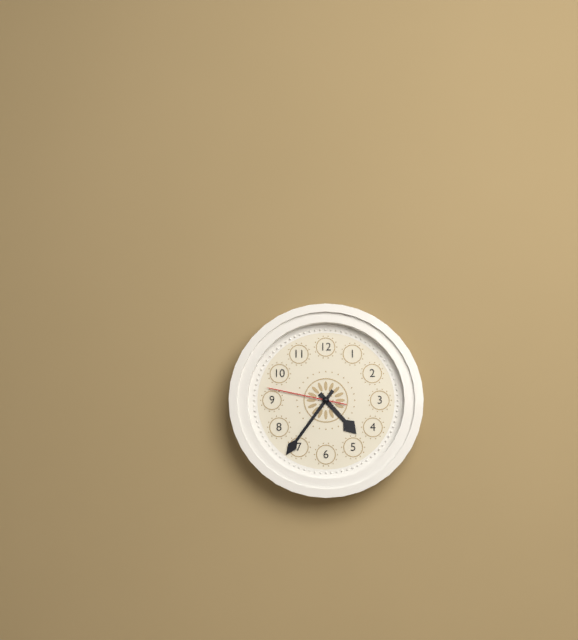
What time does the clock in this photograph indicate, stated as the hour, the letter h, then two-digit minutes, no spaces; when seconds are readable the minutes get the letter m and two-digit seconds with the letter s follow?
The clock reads 4h36m47s
